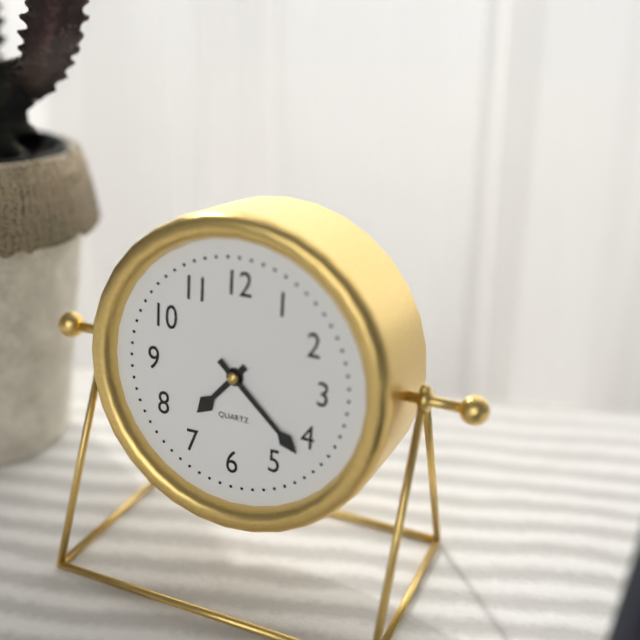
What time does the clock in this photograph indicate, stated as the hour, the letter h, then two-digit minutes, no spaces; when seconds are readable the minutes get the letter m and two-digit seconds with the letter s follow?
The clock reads 7h22
